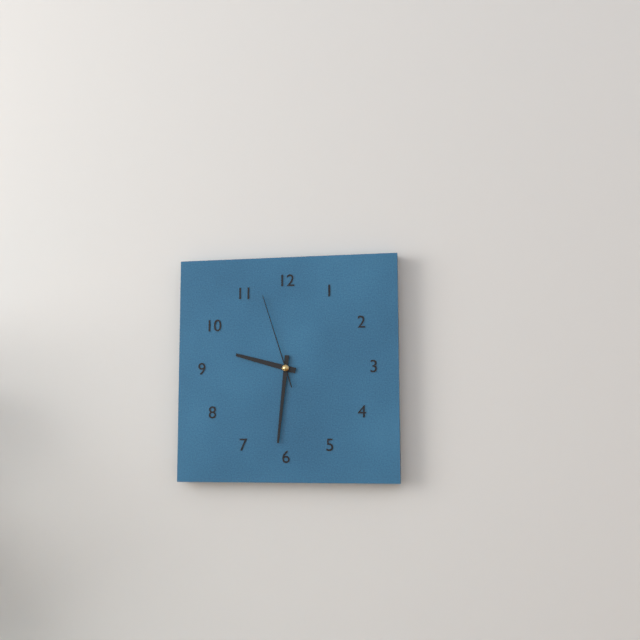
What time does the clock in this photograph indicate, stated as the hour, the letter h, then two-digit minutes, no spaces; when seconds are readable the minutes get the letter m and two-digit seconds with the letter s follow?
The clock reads 9h31m57s
